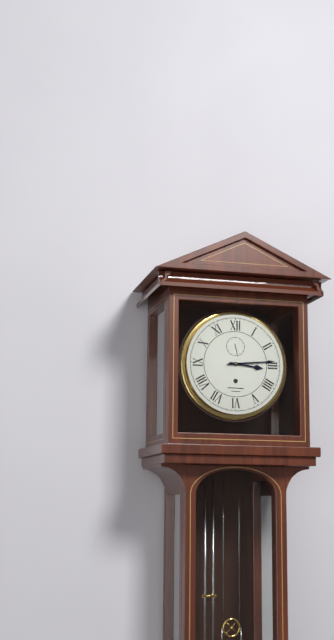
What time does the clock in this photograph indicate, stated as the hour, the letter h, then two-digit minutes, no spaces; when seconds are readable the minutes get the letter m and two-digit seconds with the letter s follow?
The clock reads 3h14
